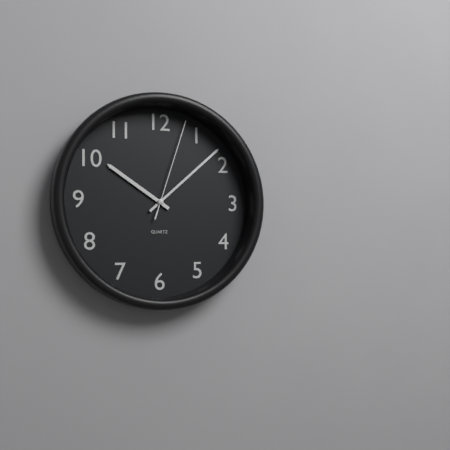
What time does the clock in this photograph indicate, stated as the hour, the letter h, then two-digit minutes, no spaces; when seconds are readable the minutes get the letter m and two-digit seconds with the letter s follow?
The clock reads 10h08m03s
